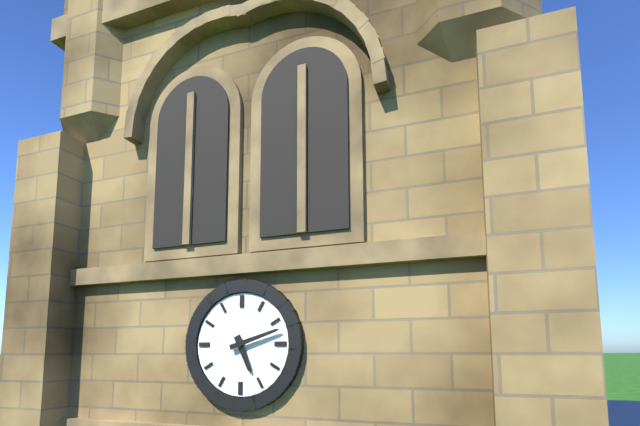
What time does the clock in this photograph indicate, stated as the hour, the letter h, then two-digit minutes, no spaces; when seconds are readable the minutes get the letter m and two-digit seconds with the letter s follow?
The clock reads 5h12
